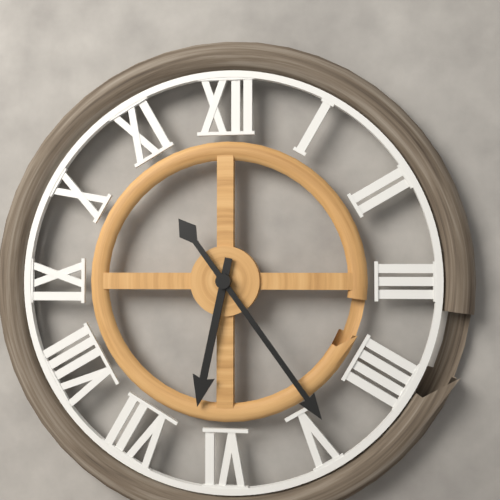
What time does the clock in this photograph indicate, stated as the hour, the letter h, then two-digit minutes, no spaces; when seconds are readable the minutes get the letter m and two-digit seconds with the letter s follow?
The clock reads 6h24
